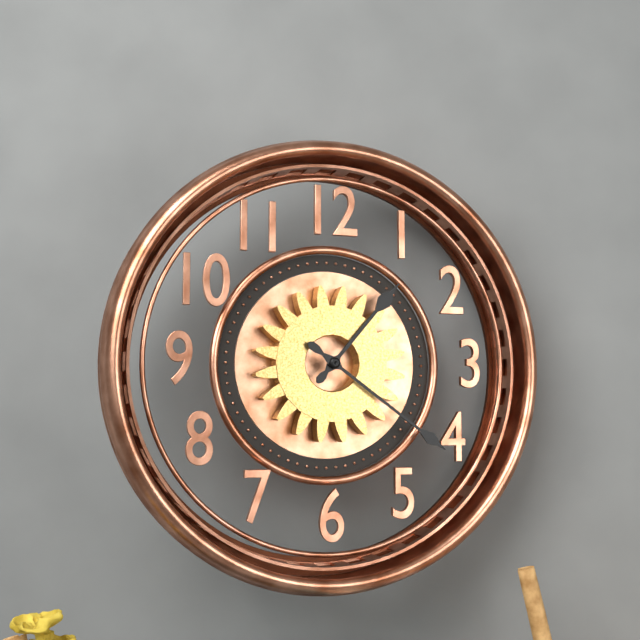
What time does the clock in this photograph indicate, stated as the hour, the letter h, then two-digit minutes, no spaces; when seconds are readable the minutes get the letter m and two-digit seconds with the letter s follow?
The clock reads 1h21
